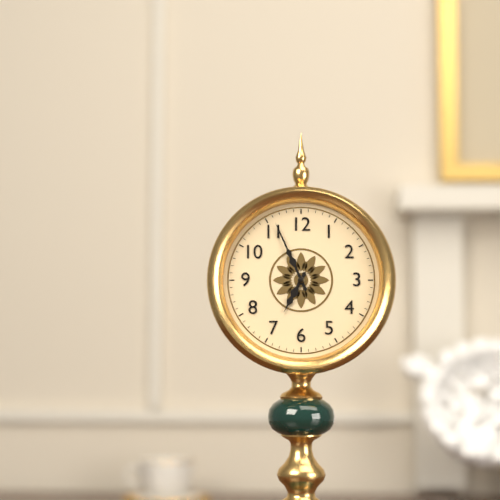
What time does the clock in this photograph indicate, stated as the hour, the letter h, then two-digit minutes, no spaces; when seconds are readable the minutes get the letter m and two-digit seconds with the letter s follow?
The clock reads 6h56
